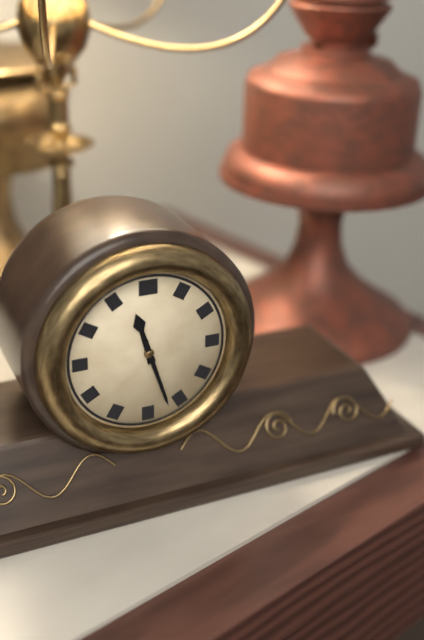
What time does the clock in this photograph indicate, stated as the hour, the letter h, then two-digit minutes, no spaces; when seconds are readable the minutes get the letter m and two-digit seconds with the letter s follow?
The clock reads 11h27
